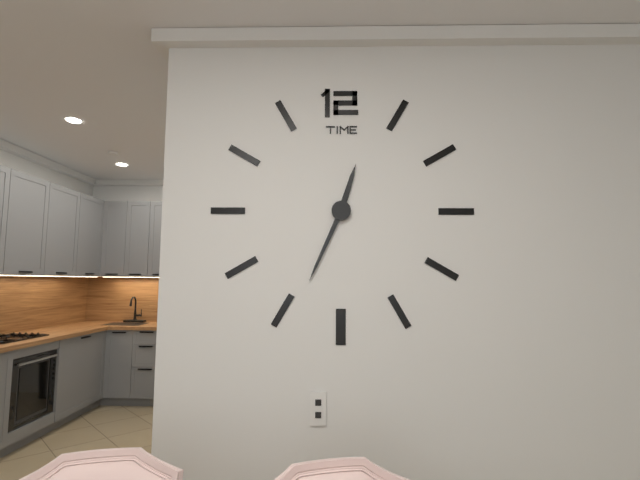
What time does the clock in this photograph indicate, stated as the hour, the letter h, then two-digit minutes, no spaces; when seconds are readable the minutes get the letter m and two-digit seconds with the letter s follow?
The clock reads 12h34
